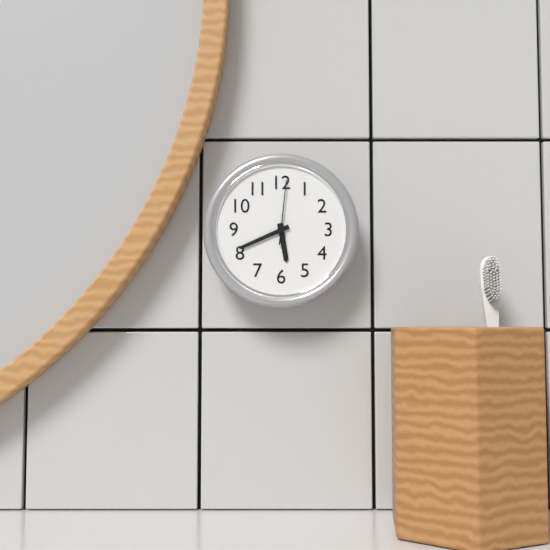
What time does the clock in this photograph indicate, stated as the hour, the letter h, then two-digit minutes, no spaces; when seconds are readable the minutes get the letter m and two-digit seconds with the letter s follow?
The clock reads 5h41m01s
